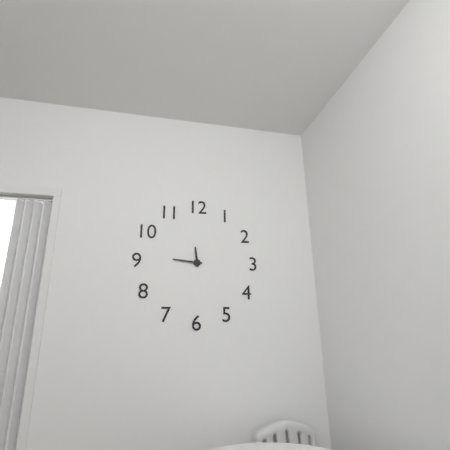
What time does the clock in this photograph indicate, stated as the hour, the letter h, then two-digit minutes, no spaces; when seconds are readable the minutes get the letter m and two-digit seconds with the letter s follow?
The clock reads 11h46
